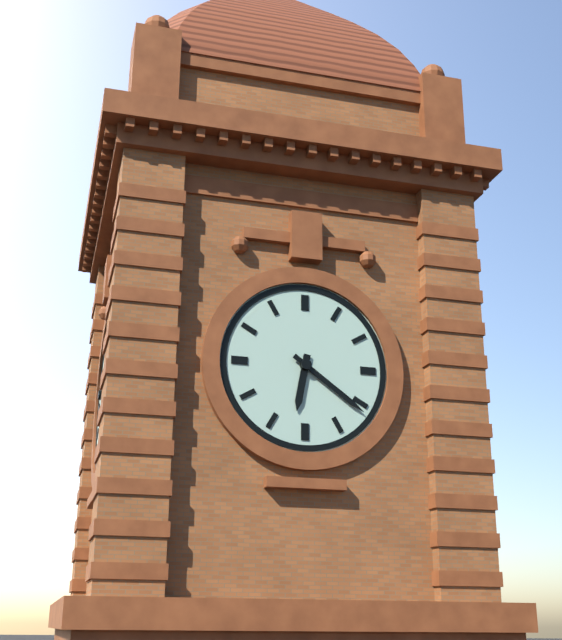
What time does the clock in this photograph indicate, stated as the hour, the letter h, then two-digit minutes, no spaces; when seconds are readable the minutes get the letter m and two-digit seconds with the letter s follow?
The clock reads 6h21
